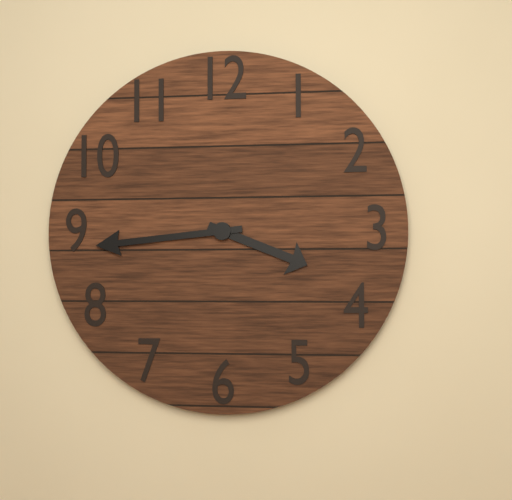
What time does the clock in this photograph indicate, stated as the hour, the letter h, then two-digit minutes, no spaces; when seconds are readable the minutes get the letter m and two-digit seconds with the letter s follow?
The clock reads 3h44
